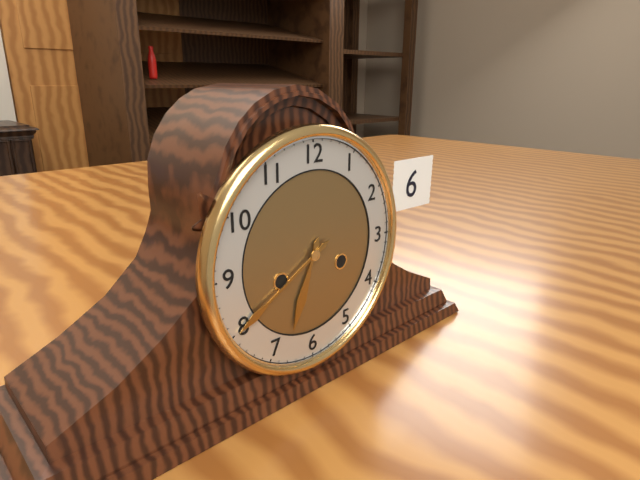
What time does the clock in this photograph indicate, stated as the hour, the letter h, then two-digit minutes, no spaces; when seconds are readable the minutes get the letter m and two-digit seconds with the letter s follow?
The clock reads 6h40
